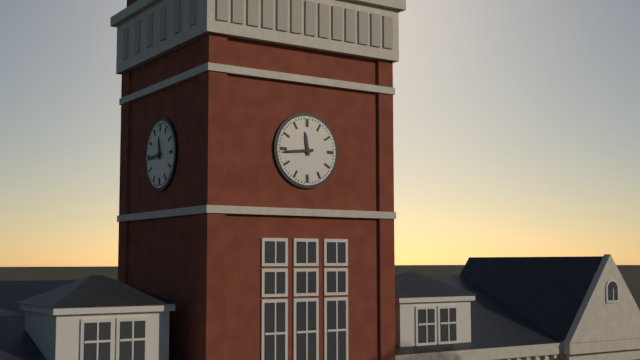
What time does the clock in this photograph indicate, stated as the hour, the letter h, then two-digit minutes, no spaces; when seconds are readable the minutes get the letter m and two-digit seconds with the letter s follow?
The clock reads 11h44
